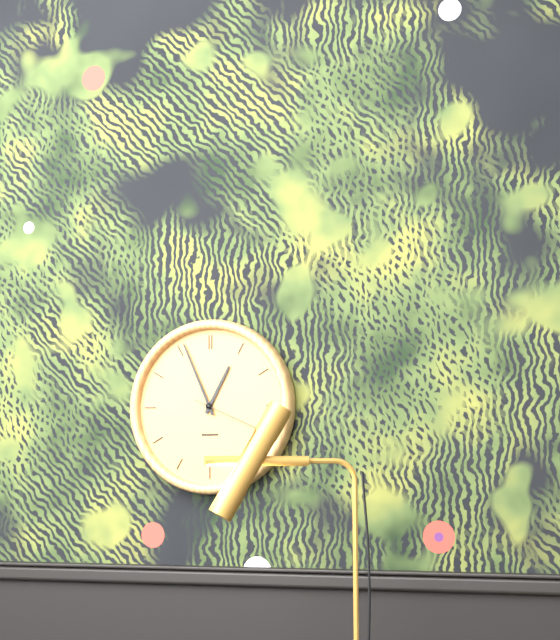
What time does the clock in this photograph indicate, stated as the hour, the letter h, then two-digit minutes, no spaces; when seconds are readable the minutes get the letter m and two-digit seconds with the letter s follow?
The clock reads 12h56m19s
